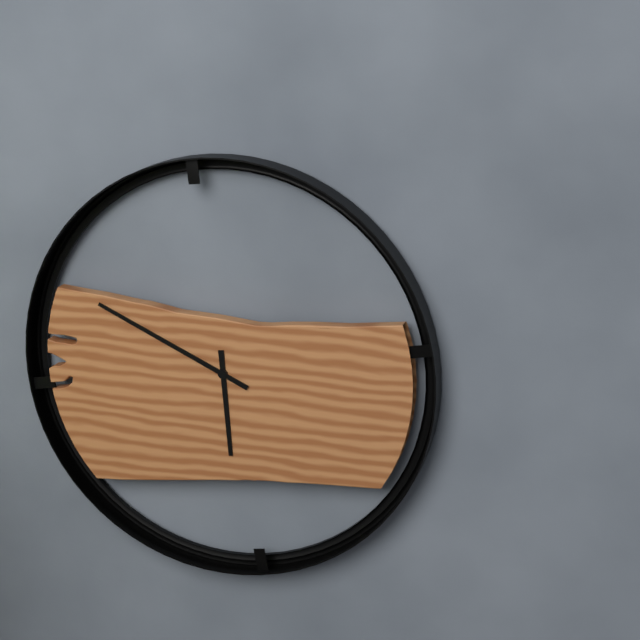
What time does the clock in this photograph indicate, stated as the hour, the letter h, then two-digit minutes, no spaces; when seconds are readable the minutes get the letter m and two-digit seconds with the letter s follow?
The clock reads 5h49
